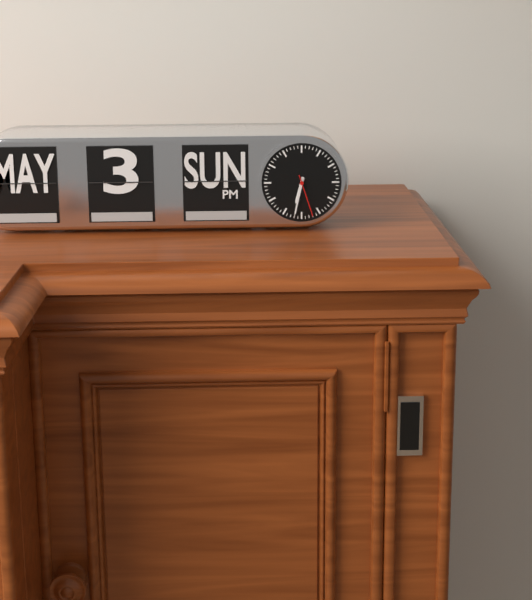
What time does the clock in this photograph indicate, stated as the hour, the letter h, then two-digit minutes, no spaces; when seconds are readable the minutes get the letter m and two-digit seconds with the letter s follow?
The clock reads 6h32
